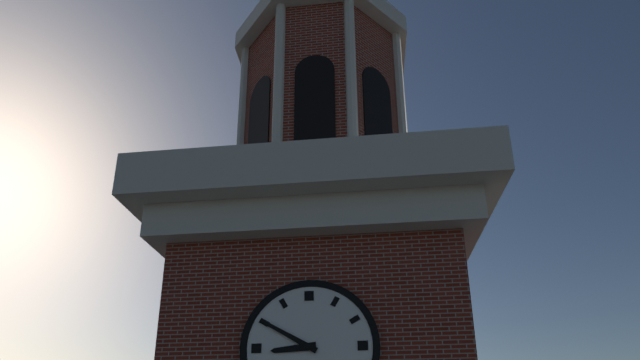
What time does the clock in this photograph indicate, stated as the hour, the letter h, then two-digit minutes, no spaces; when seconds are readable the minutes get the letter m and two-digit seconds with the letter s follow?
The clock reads 8h50
